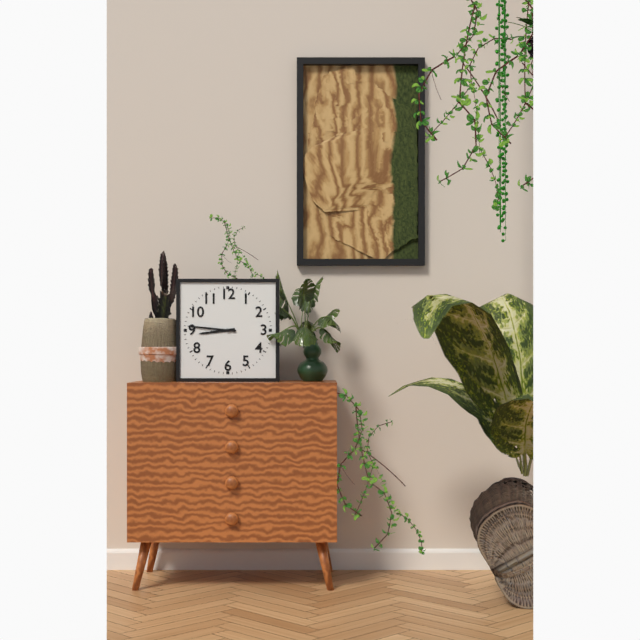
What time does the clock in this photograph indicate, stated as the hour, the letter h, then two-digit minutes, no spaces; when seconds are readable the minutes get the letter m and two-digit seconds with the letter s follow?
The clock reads 8h46
